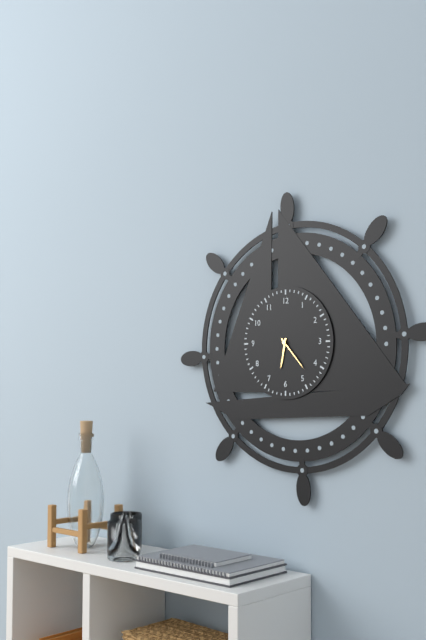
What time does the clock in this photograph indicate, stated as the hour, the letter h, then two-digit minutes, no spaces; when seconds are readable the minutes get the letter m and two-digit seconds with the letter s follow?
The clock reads 6h23
